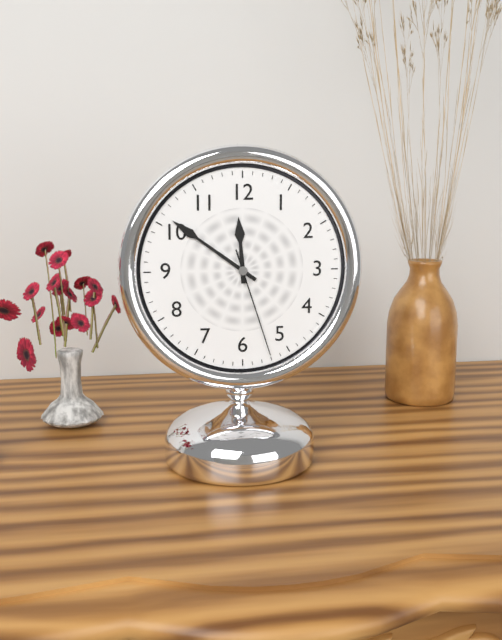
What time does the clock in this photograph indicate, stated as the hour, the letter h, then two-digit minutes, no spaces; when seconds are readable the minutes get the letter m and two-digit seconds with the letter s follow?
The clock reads 11h51m27s
